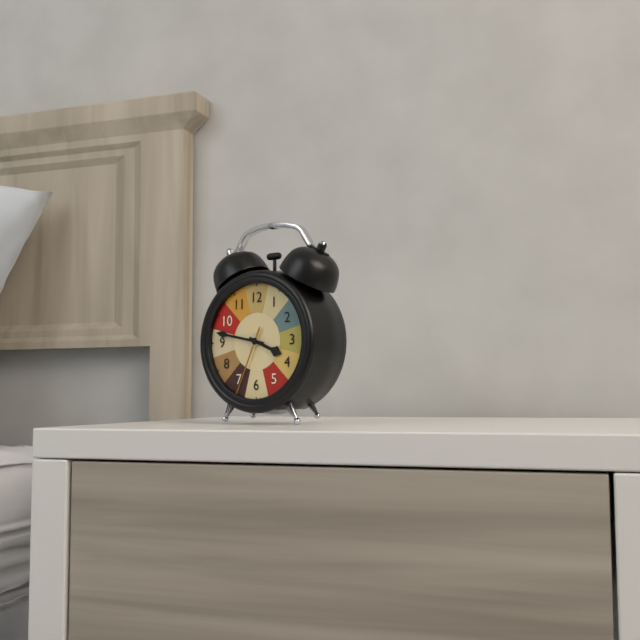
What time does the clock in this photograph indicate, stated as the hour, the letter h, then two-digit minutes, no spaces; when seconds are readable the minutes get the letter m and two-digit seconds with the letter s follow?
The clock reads 3h47m34s
